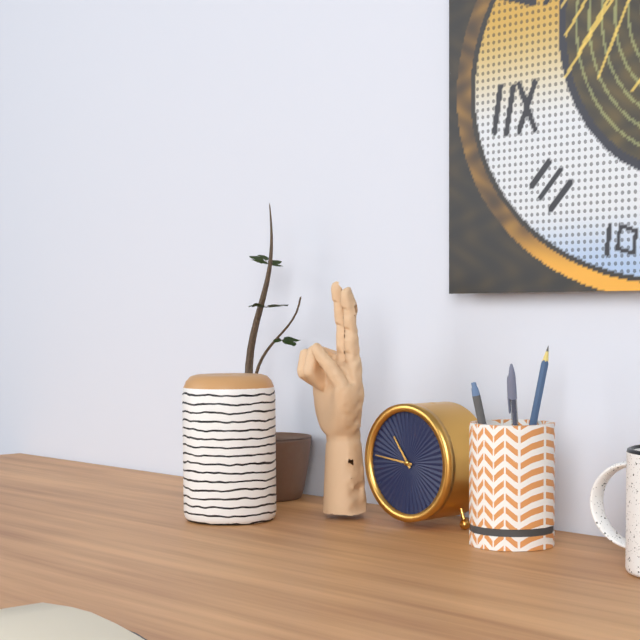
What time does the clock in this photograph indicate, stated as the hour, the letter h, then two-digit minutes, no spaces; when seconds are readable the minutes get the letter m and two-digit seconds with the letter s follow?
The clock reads 10h46
